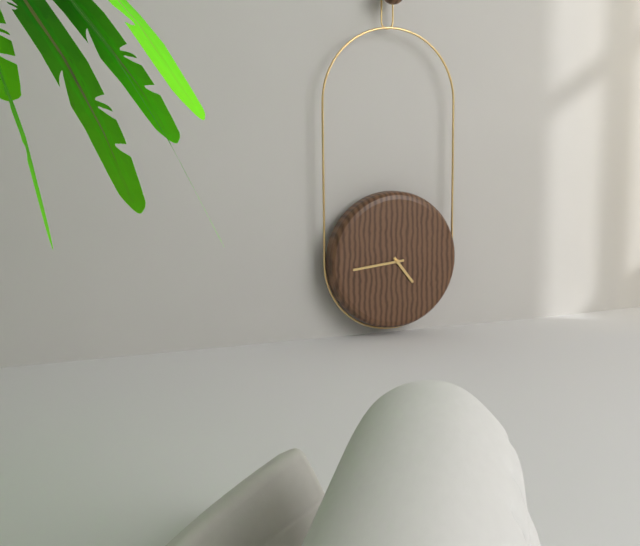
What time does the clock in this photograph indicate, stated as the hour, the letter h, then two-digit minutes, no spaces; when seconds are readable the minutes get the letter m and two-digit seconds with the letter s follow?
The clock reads 4h44
